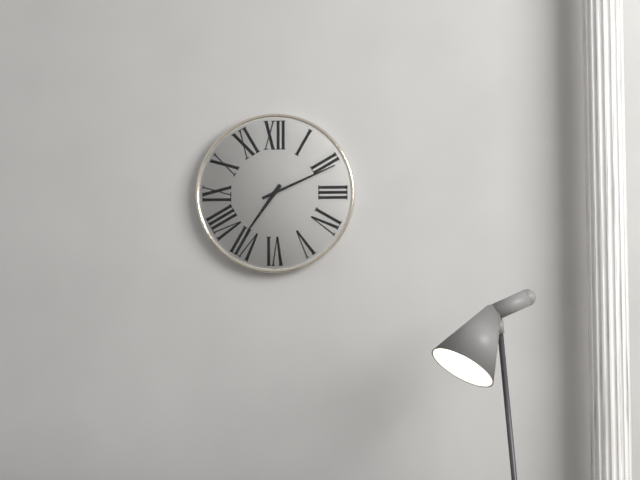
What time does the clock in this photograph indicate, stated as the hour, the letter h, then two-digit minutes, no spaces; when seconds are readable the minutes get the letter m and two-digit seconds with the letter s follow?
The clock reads 7h11
